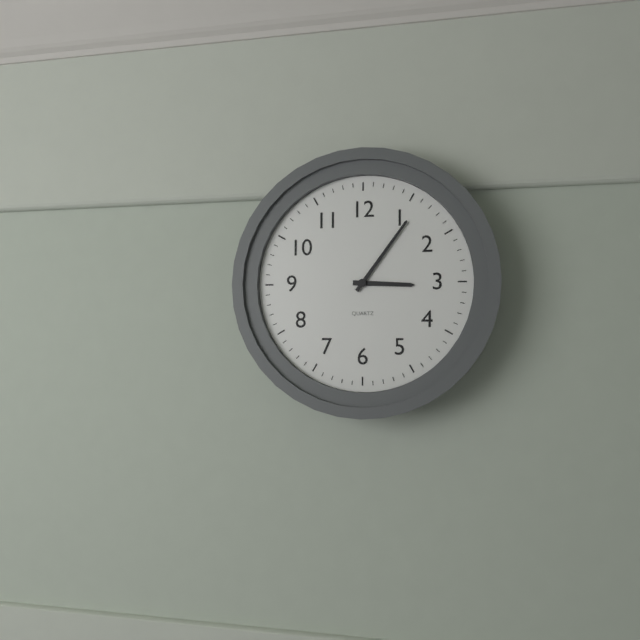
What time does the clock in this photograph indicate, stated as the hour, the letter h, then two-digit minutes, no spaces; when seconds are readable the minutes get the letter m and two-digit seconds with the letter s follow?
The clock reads 3h06
